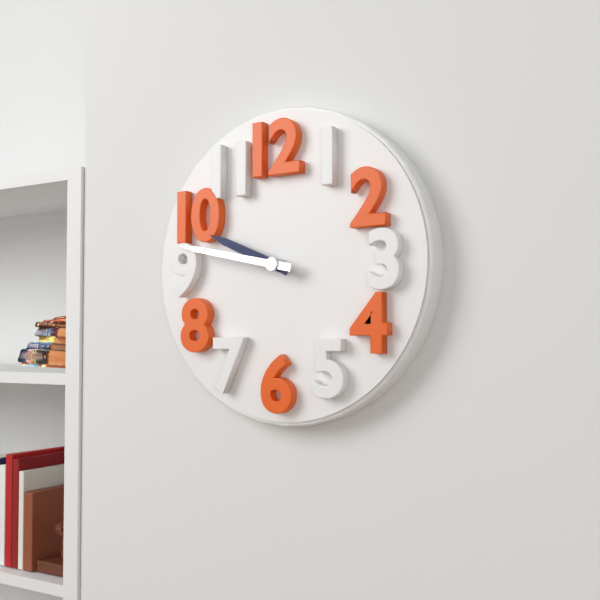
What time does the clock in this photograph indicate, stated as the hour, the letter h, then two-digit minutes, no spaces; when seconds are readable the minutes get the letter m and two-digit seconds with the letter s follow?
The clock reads 9h47
